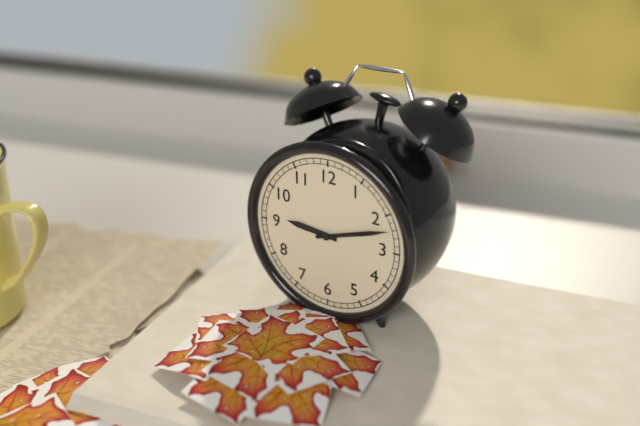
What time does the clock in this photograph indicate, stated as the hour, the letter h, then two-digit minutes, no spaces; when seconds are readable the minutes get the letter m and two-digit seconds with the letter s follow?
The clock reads 9h12
